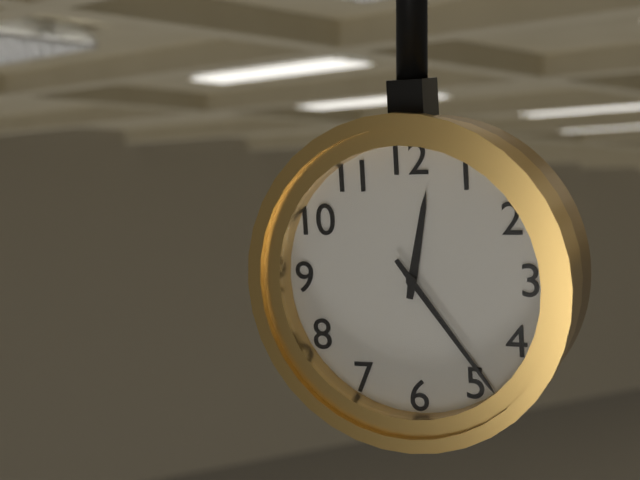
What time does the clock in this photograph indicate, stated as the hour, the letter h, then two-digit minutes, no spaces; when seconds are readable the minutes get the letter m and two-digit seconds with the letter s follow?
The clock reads 12h24
